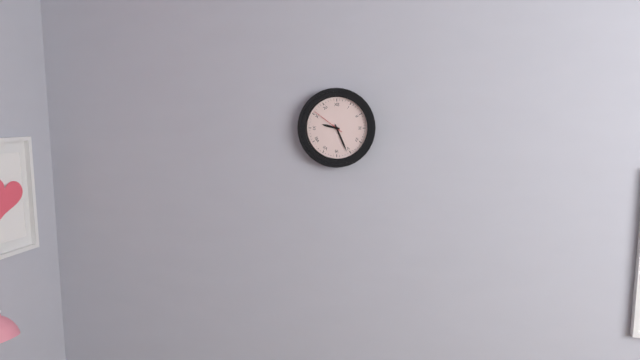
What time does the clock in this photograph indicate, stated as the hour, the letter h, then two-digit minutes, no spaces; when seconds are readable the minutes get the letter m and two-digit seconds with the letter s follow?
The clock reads 9h26
